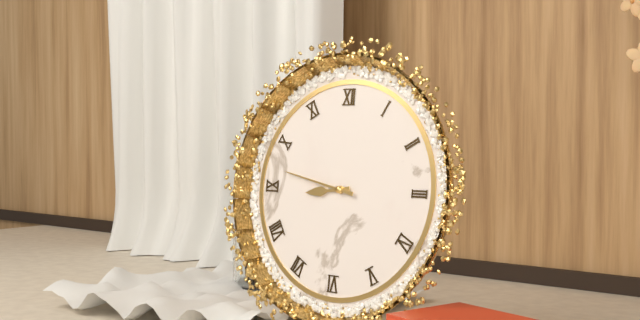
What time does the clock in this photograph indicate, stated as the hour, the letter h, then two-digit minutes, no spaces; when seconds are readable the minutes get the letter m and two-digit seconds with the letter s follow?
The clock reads 8h47
